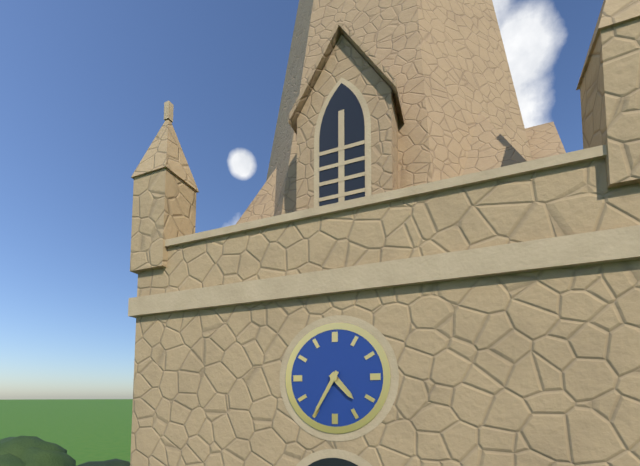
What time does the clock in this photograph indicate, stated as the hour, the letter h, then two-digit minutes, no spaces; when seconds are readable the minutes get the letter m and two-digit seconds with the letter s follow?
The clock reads 4h35
